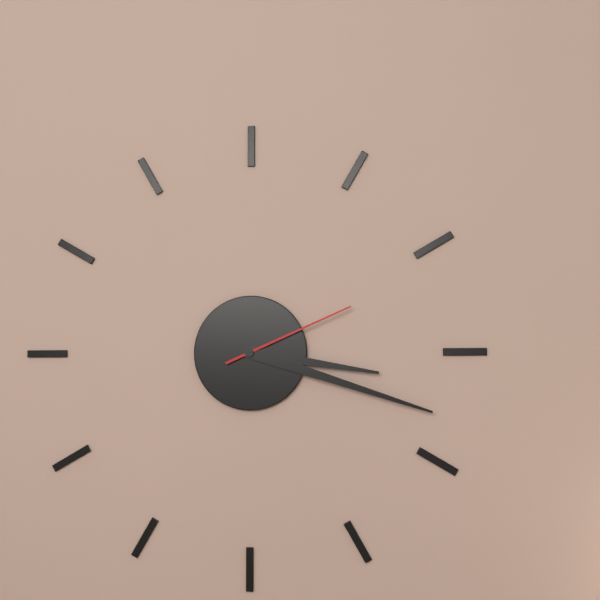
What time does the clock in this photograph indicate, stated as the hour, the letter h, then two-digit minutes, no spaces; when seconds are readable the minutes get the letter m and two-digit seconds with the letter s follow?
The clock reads 3h18m11s
